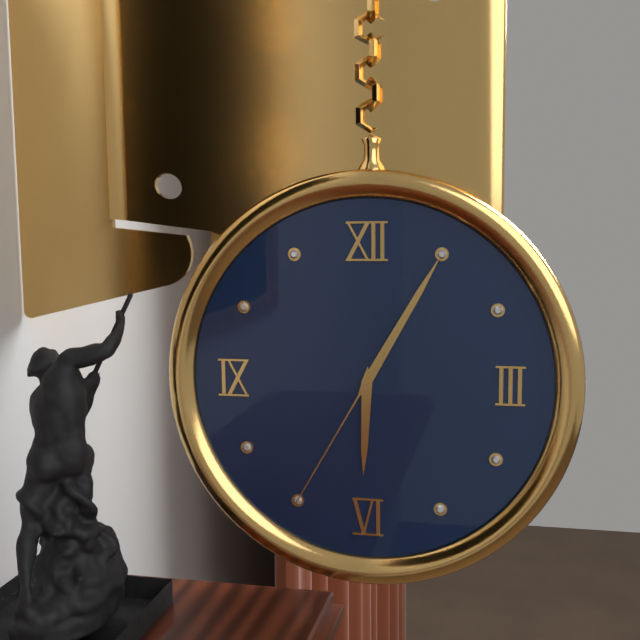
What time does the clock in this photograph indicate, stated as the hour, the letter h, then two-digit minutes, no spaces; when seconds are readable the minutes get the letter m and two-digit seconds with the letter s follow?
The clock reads 6h05m35s
